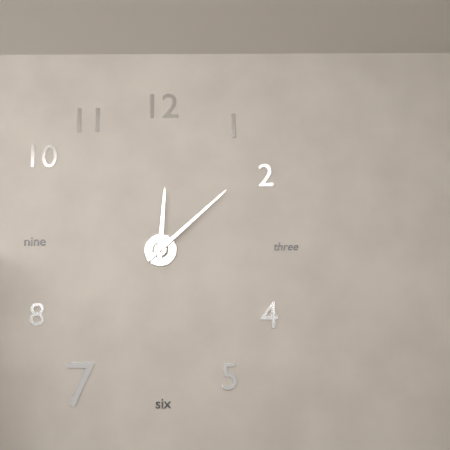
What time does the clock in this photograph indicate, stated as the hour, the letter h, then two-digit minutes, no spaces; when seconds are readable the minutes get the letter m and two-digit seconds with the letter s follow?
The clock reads 12h08
